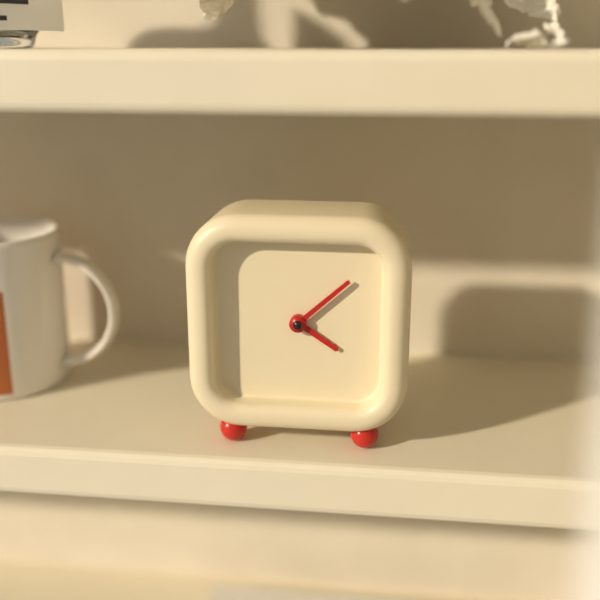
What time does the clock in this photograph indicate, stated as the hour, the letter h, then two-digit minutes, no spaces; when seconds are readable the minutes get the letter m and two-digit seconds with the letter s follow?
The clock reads 4h08
